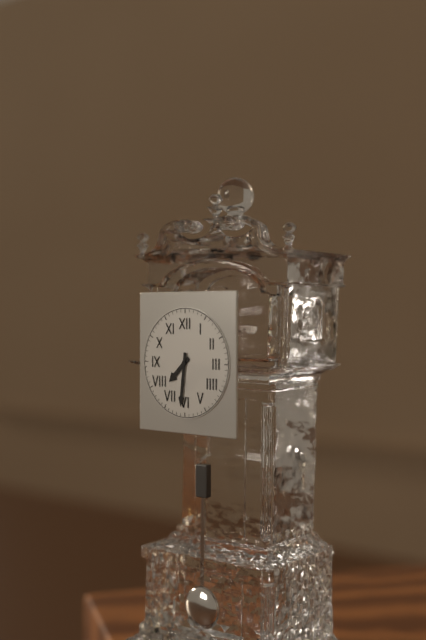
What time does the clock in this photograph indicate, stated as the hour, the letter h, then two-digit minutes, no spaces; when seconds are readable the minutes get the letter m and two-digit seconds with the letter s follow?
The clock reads 7h31
